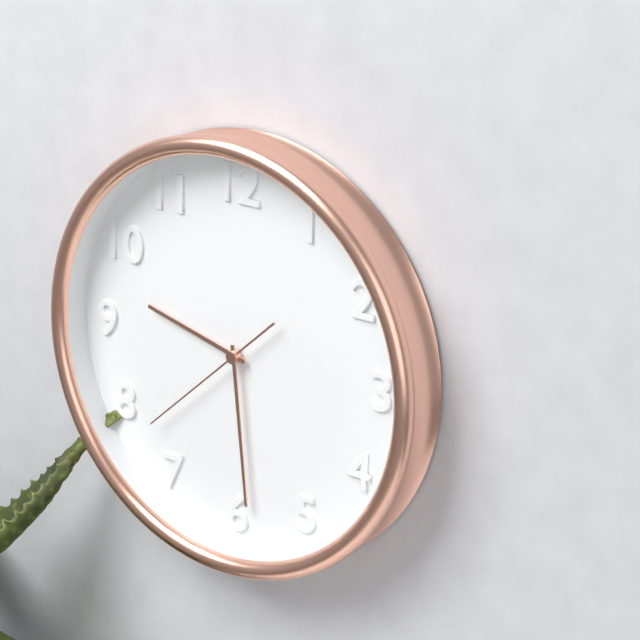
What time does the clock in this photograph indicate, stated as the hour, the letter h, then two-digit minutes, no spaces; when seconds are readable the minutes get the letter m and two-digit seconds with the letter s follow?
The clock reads 9h29m38s
